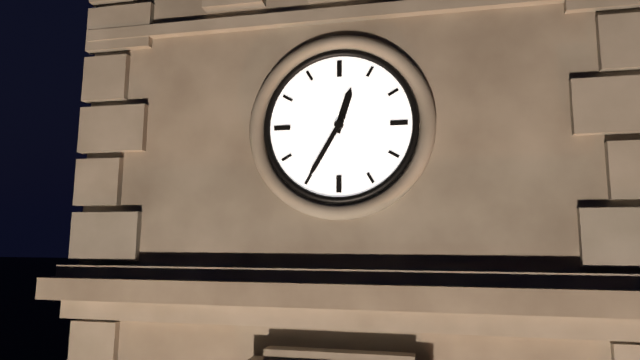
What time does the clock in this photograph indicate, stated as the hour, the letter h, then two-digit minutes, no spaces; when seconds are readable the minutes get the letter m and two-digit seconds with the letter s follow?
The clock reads 12h35
